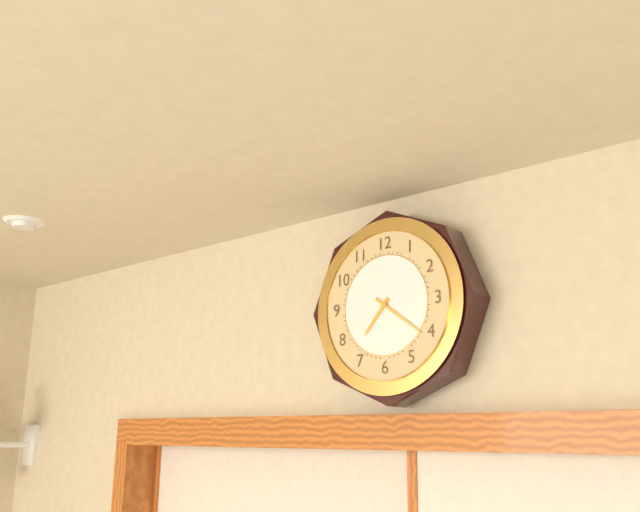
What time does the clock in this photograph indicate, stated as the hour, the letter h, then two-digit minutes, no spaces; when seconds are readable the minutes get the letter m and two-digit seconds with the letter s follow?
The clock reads 7h21
